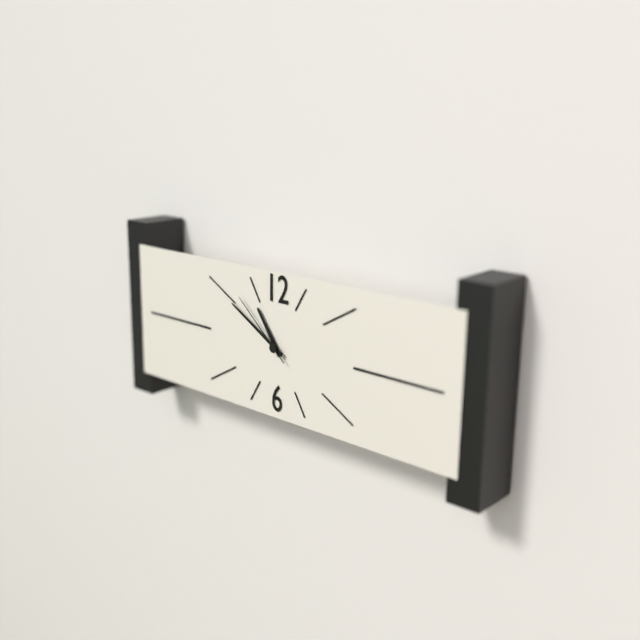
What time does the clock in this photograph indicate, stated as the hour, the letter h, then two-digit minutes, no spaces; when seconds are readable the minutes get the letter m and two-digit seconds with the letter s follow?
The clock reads 10h50m52s
